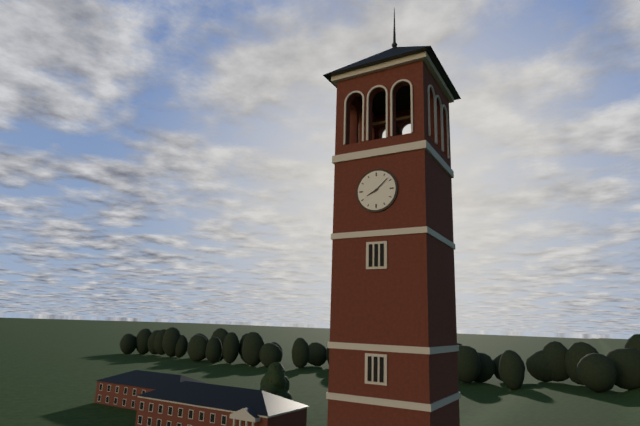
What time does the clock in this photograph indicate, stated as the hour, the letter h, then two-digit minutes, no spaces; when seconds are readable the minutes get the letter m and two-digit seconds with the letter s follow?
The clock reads 8h08
